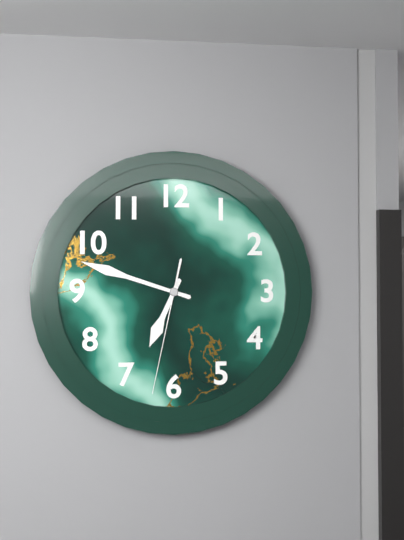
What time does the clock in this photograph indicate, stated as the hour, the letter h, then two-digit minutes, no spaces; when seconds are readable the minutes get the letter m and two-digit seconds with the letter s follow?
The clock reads 6h48m32s
